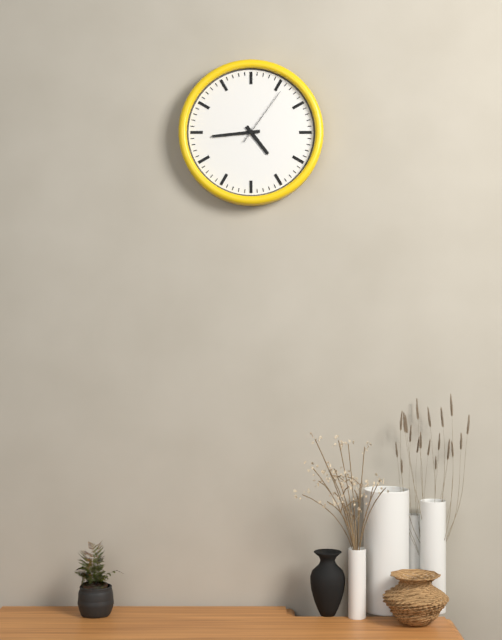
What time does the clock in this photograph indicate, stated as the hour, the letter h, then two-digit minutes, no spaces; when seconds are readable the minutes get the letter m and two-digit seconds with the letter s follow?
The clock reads 4h44m06s
